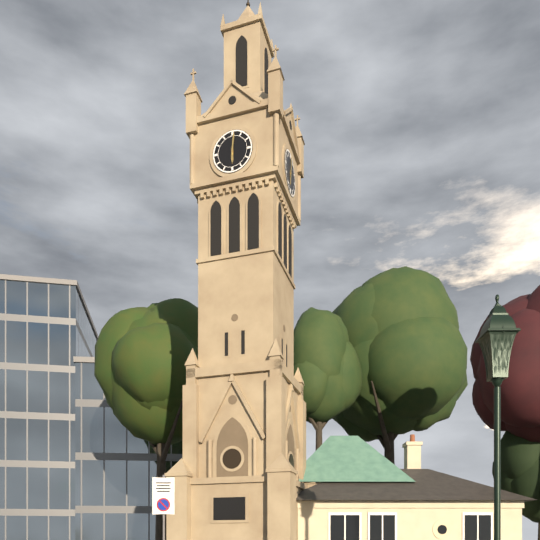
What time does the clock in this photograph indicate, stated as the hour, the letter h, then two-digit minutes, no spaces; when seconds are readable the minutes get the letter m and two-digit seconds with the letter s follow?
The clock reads 6h01
